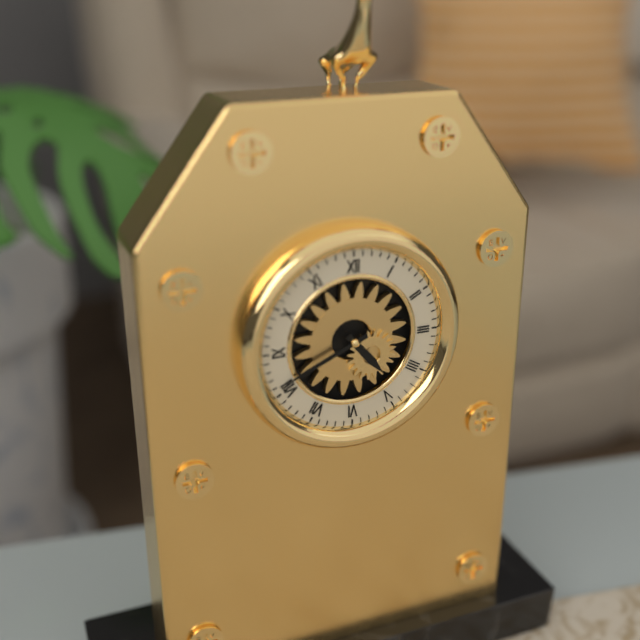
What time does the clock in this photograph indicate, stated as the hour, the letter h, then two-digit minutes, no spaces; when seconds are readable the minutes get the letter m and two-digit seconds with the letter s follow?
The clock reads 4h41
